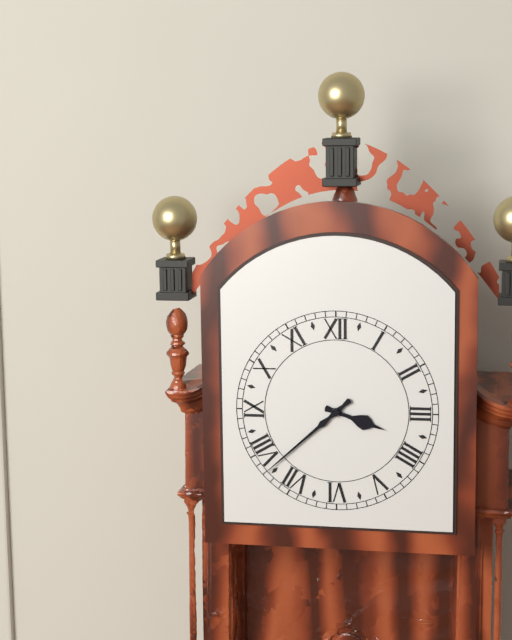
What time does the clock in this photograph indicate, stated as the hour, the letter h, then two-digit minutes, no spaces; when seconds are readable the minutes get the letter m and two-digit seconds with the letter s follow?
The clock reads 3h38
